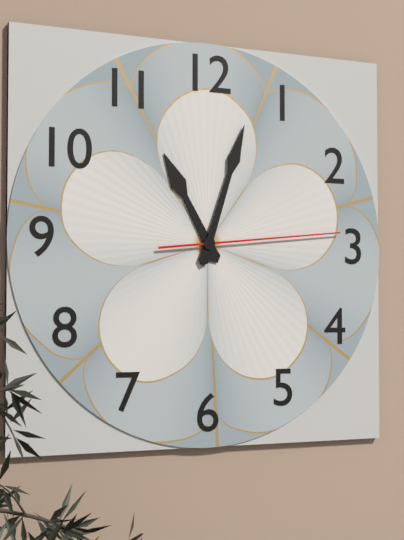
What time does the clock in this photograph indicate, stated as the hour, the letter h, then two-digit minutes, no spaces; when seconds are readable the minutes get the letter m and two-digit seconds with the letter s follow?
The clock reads 11h03m14s
